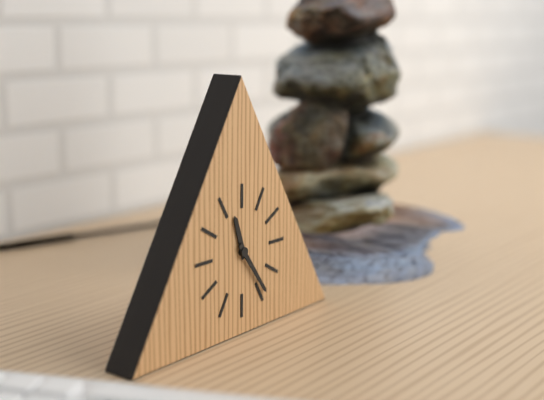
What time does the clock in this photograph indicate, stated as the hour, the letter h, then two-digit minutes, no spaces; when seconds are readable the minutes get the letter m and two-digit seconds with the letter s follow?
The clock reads 11h24
